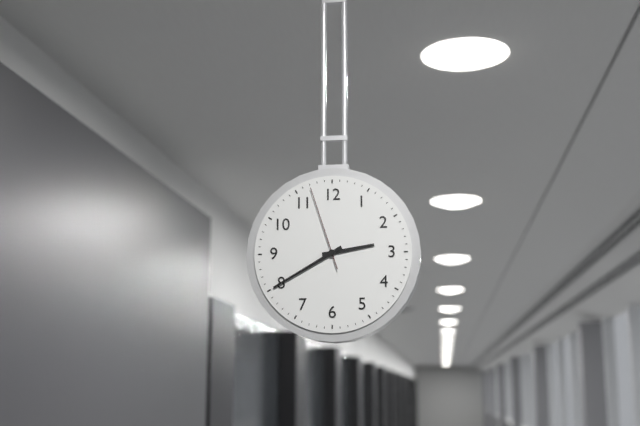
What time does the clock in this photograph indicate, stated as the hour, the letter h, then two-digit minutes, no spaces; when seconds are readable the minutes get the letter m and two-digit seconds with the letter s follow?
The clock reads 2h40m57s
